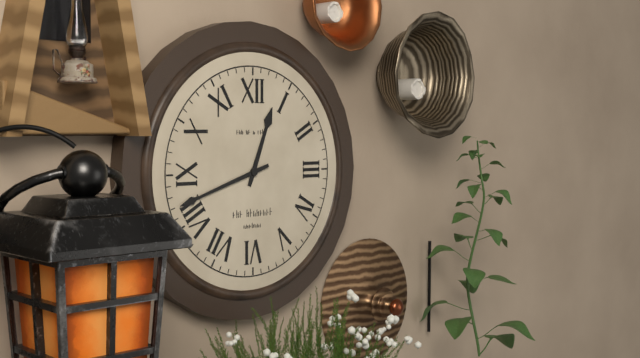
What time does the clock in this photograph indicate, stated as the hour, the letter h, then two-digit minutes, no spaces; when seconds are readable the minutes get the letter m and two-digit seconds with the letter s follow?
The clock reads 12h42
